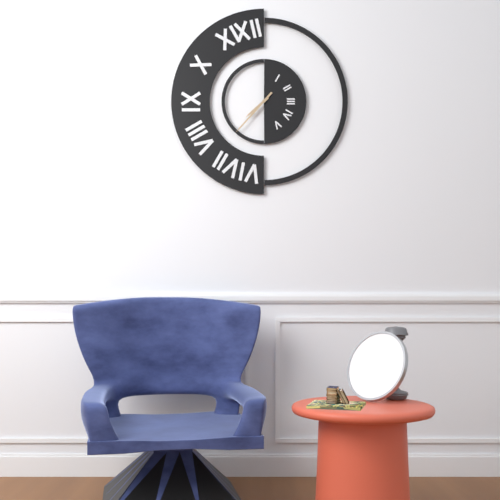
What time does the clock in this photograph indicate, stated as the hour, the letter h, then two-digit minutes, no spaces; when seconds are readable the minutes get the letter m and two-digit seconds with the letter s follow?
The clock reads 7h37
